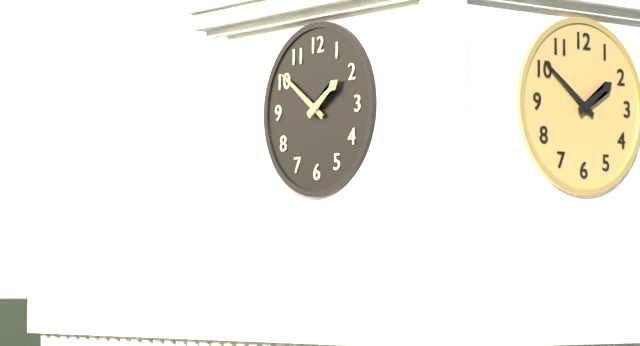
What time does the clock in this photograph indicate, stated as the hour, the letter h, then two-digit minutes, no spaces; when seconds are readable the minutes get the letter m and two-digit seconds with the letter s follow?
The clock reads 1h51
